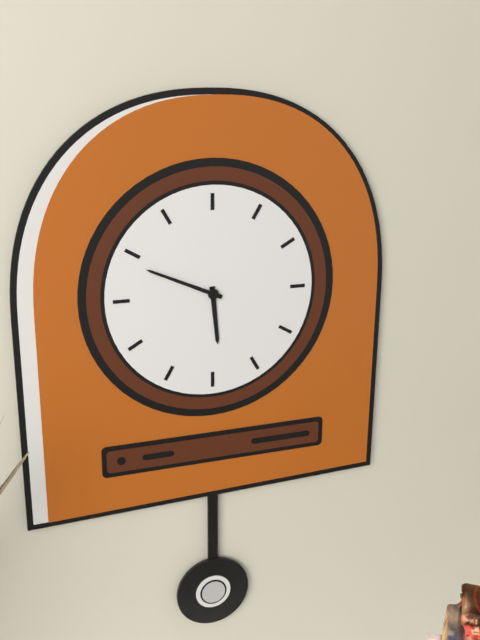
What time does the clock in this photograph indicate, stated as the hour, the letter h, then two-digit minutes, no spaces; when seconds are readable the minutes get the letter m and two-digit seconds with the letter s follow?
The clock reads 5h49
